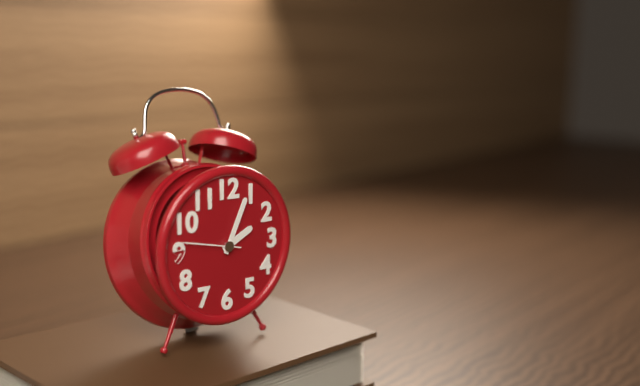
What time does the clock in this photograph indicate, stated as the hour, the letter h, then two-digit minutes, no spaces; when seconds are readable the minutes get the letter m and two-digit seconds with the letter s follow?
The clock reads 2h04m47s
